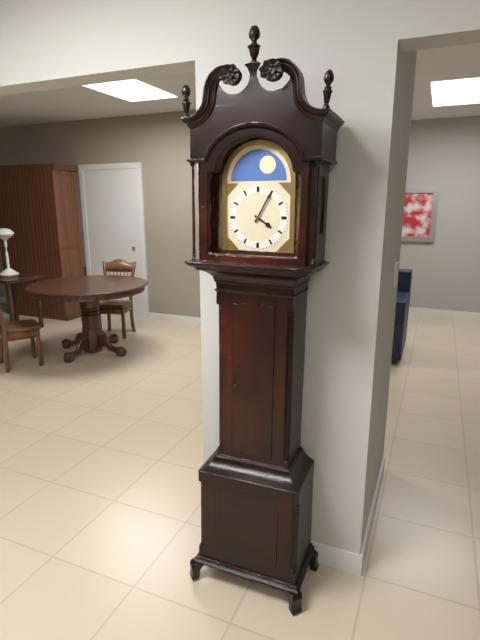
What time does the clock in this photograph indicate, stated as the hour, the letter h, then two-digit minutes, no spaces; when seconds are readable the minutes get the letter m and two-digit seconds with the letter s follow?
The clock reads 4h05
